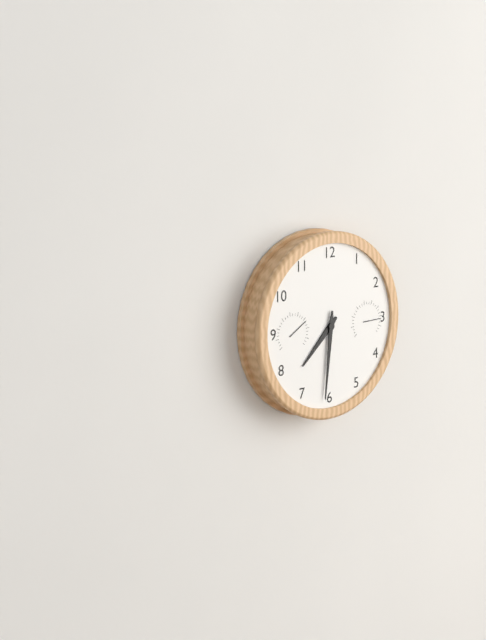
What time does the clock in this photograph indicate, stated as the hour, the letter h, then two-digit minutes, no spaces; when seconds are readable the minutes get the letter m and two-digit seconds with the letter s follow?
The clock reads 7h31
